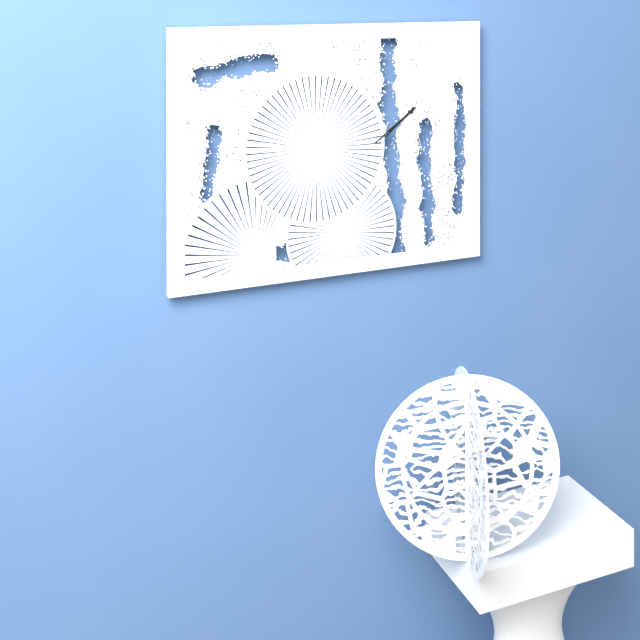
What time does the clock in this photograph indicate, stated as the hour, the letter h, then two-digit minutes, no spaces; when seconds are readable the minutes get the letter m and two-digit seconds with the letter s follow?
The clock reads 7h39
